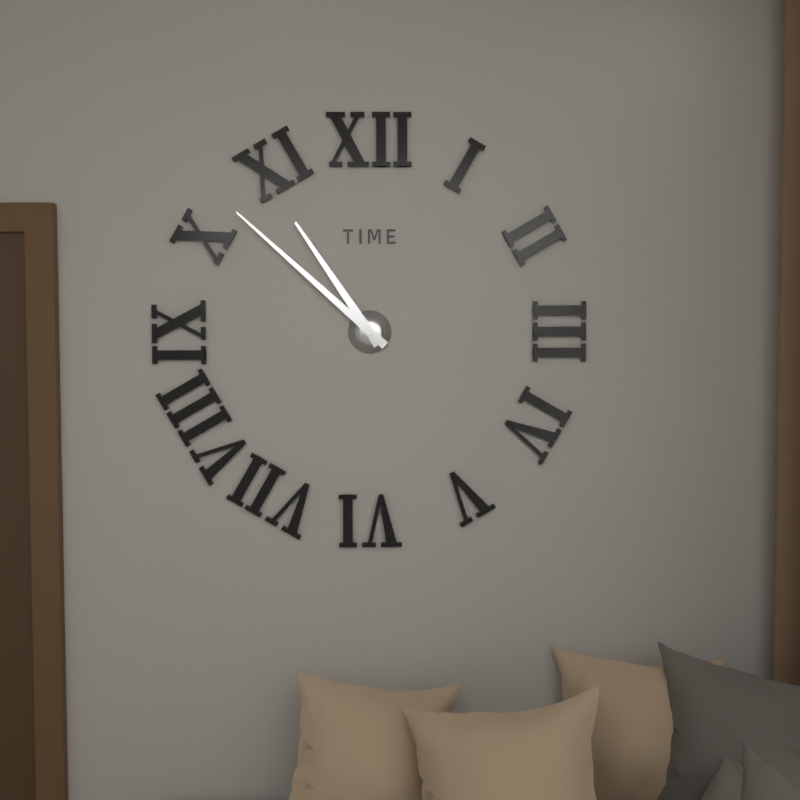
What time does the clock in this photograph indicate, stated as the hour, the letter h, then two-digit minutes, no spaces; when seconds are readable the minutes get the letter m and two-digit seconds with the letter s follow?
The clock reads 10h52
